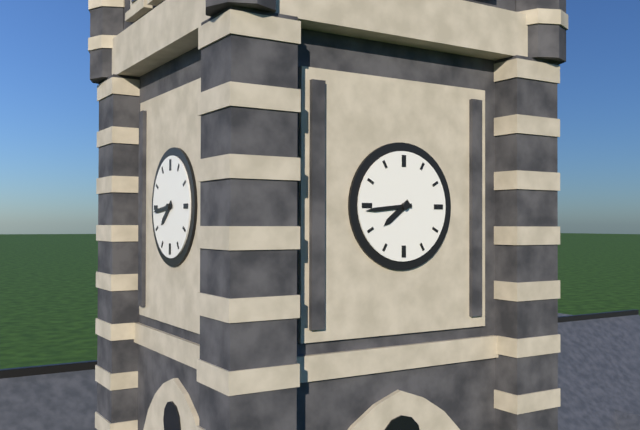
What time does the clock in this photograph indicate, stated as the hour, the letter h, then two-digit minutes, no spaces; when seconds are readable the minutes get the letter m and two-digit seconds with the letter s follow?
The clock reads 7h44
